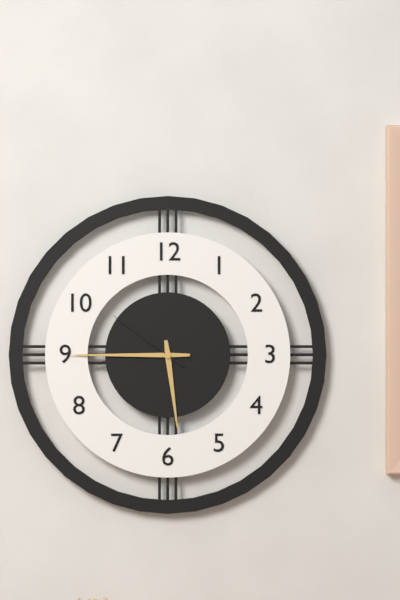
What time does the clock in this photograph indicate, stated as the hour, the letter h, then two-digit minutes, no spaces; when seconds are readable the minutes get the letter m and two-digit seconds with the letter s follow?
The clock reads 5h45m51s
